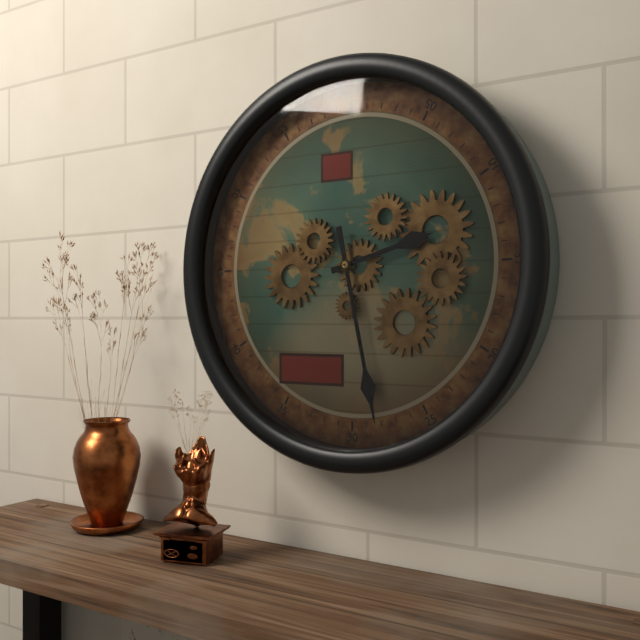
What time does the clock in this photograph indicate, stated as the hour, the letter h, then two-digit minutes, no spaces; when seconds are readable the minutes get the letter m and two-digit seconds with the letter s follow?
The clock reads 2h28
